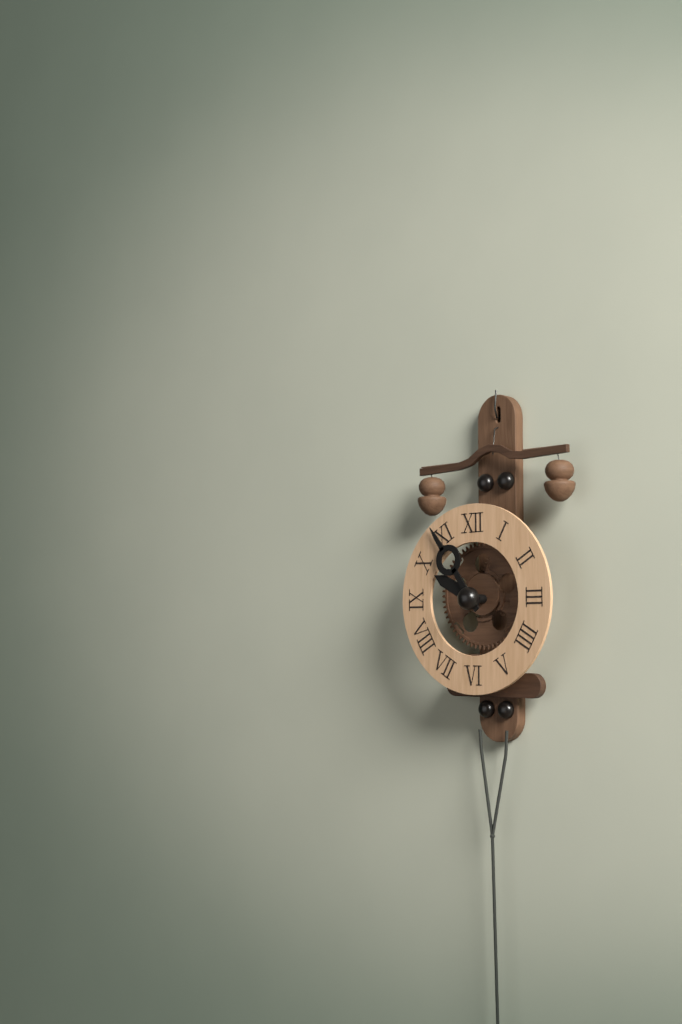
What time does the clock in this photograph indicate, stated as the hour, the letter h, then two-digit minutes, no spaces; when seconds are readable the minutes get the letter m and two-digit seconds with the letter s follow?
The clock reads 9h54
